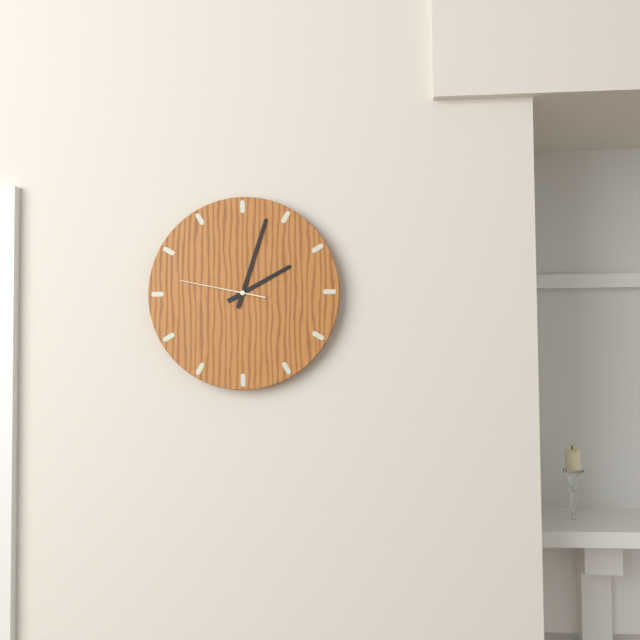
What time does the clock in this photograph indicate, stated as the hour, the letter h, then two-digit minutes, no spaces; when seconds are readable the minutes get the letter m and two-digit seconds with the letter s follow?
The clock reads 2h03m47s
